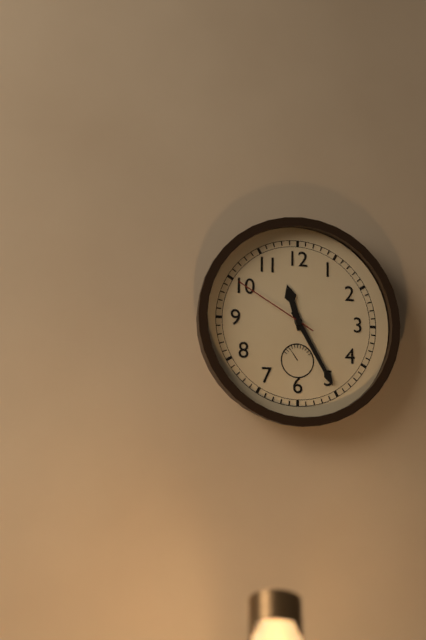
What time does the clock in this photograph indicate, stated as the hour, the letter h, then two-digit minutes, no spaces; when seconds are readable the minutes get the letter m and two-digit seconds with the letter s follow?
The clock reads 11h25m50s
